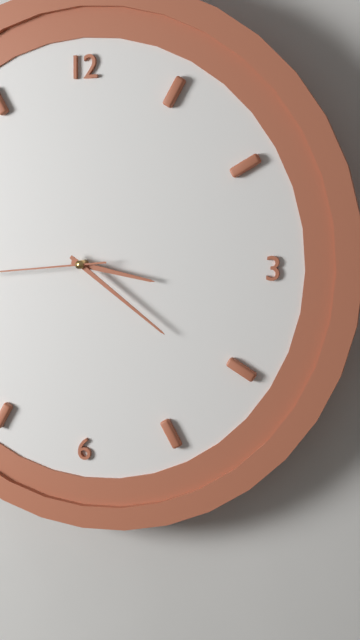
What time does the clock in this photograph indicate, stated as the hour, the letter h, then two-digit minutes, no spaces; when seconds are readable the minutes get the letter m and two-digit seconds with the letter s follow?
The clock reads 3h21
